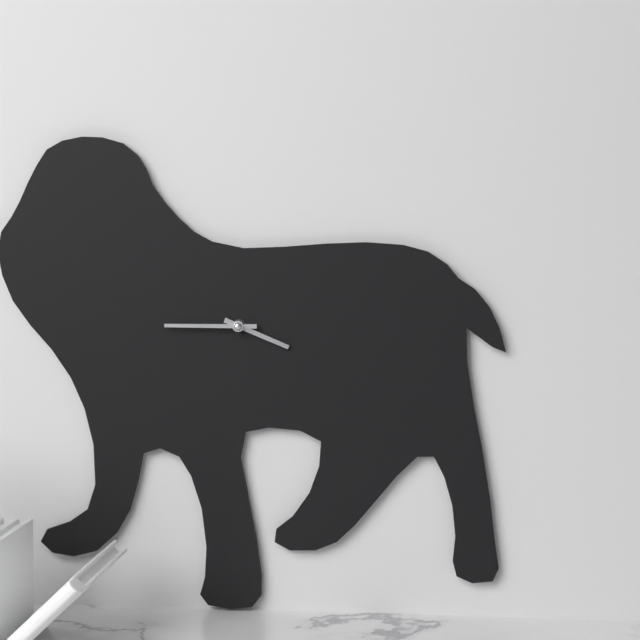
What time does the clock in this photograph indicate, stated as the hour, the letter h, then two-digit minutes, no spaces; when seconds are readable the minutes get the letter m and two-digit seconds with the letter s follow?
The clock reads 3h45
